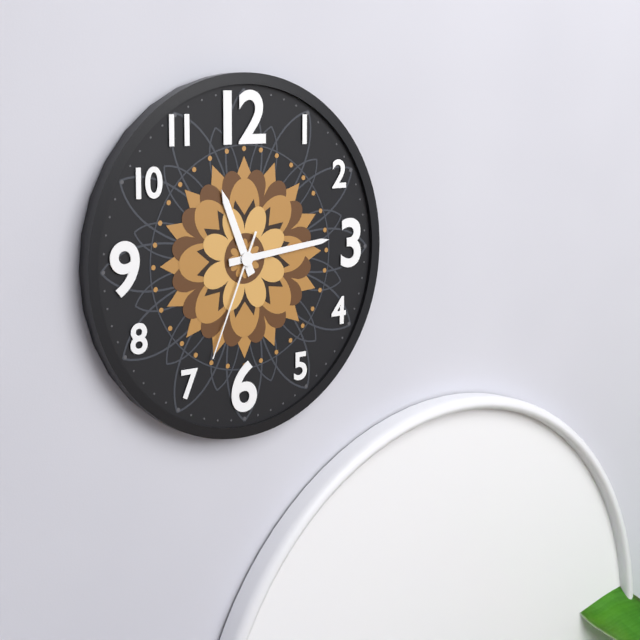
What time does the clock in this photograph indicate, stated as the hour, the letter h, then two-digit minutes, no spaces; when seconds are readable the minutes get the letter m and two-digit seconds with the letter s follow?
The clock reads 11h14m34s
